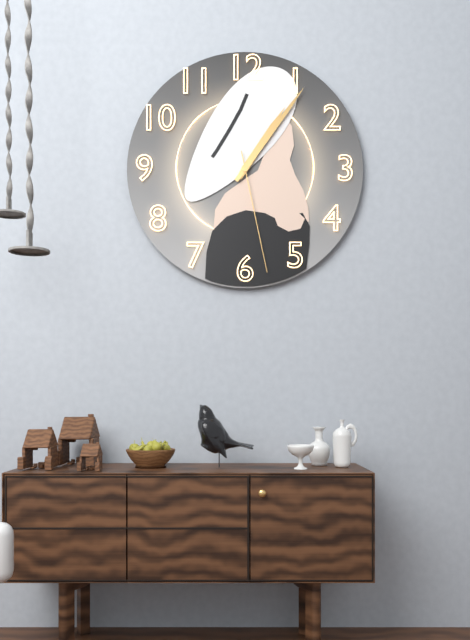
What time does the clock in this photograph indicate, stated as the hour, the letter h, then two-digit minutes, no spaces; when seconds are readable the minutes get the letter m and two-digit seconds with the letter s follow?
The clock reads 1h06m28s
